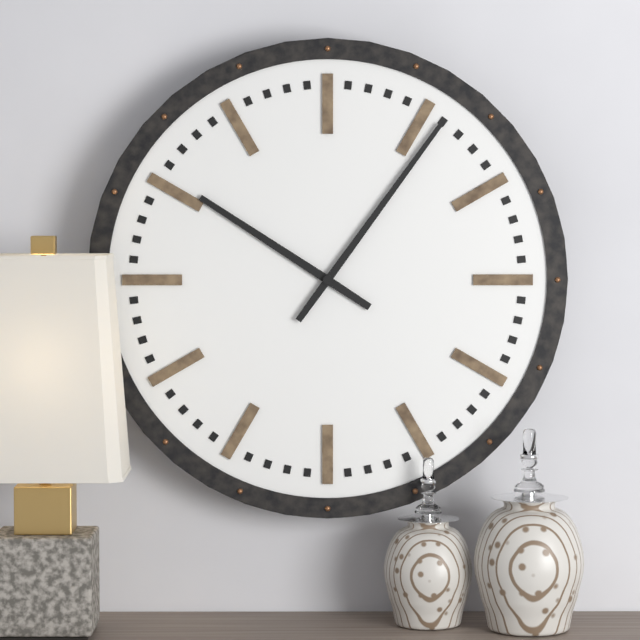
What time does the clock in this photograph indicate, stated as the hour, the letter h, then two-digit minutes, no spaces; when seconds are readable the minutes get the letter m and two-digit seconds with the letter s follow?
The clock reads 10h06
